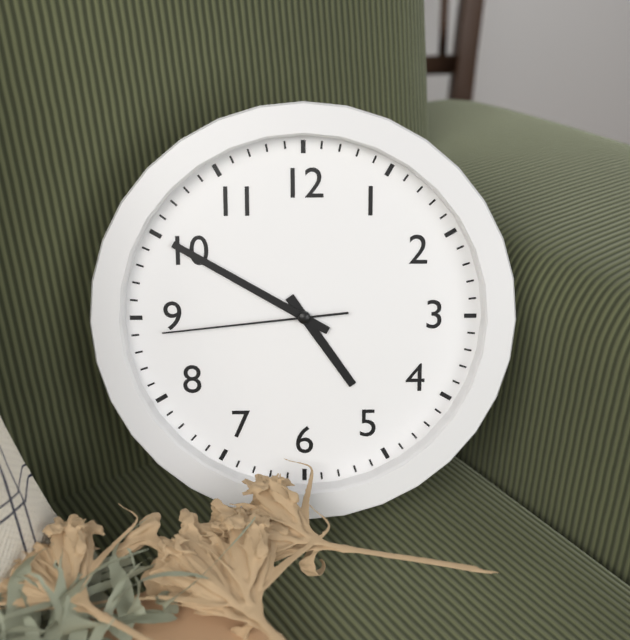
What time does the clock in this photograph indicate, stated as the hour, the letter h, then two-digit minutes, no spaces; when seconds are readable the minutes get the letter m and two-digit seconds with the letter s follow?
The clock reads 4h50m44s
